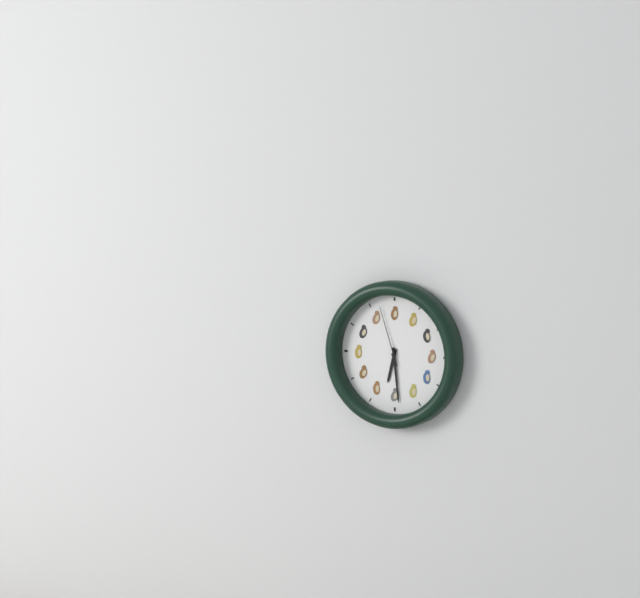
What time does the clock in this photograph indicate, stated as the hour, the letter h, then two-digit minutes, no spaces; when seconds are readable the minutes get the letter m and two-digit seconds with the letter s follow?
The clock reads 6h29m57s
